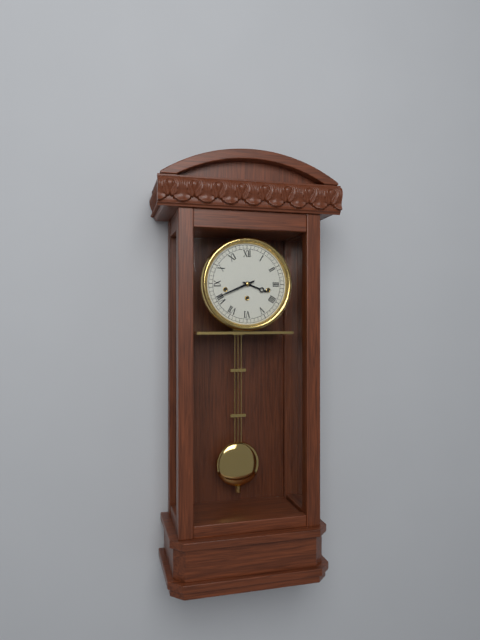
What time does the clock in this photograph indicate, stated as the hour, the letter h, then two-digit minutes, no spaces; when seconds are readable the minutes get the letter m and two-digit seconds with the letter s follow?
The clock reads 3h41
